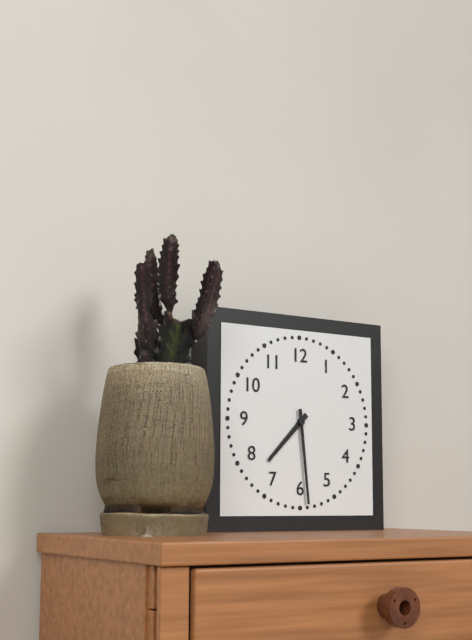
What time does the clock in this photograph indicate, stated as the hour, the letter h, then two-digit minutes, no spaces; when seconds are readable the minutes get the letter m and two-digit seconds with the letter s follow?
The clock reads 7h29
